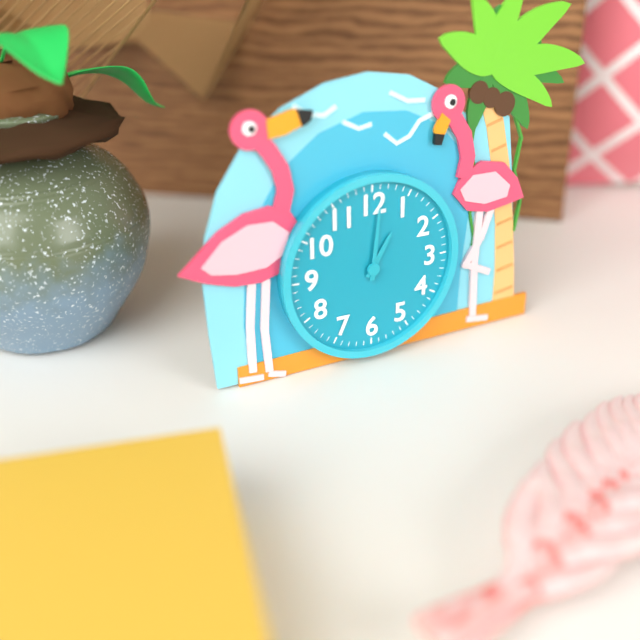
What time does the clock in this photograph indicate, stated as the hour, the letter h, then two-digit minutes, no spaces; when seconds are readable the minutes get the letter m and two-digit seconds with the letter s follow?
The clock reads 1h01
